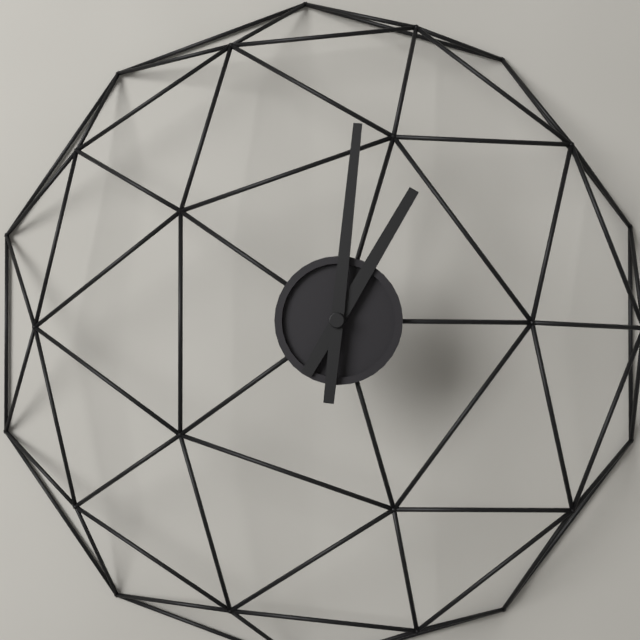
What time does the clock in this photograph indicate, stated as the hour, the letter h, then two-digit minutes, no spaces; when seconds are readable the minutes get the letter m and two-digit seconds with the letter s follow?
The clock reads 1h01
